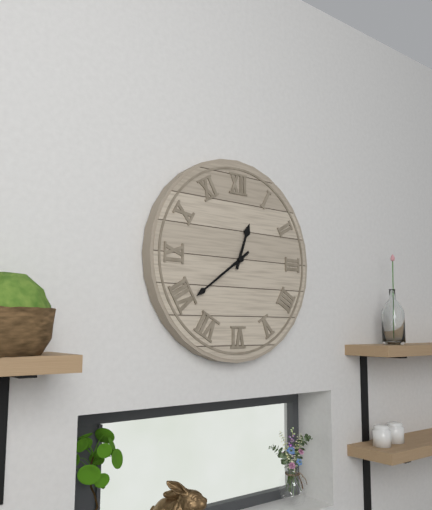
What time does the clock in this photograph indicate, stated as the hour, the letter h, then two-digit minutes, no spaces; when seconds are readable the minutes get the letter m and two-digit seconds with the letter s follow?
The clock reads 12h39
